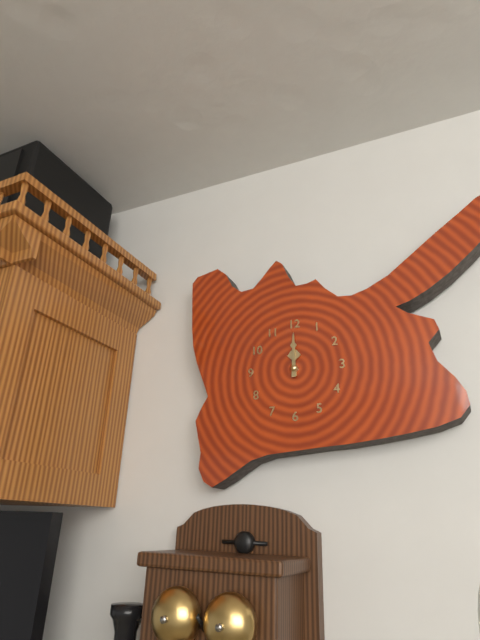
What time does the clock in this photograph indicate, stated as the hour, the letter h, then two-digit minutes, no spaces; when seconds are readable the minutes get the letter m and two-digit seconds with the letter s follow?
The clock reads 12h00
